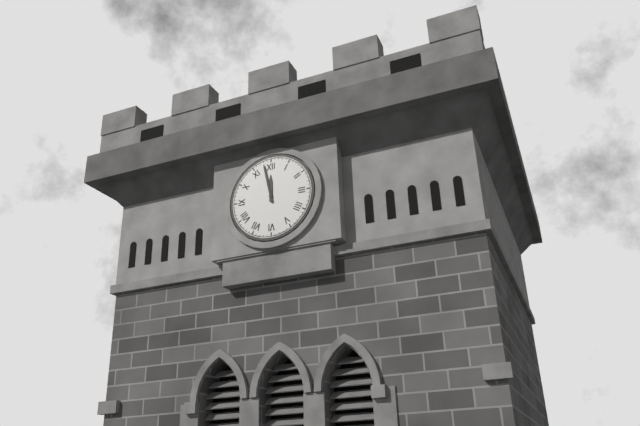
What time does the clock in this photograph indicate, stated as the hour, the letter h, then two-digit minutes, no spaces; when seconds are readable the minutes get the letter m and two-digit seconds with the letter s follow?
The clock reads 11h58
